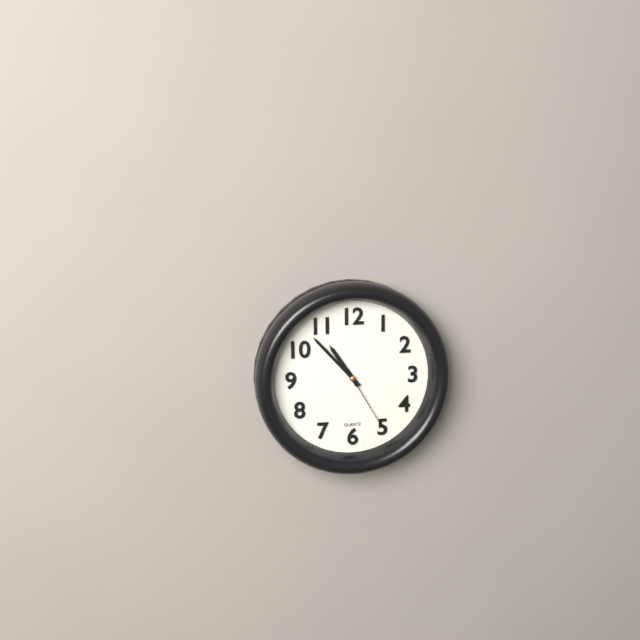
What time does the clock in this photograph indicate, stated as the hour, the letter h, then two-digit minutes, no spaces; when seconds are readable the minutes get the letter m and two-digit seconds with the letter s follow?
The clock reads 10h53m25s
